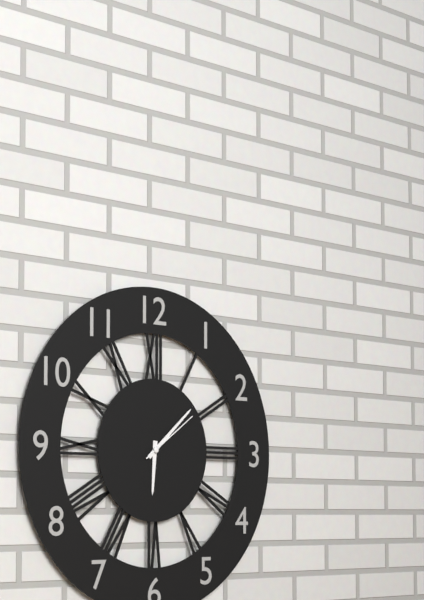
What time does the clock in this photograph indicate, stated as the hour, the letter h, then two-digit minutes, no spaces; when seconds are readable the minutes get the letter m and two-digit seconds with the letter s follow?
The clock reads 6h08m09s
